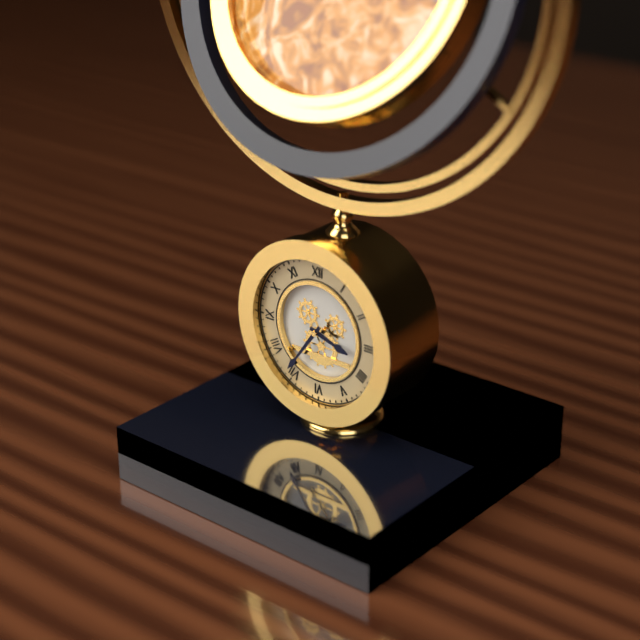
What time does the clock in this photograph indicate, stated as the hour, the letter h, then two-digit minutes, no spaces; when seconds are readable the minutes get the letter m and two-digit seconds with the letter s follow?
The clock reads 3h36
